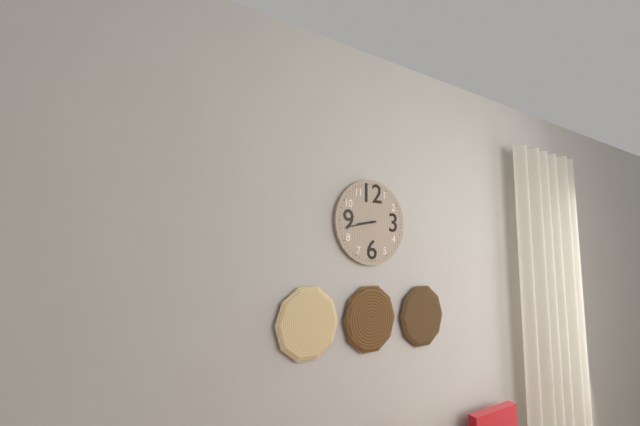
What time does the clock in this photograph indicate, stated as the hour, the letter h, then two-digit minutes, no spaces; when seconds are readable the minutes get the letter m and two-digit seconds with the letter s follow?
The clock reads 8h43
